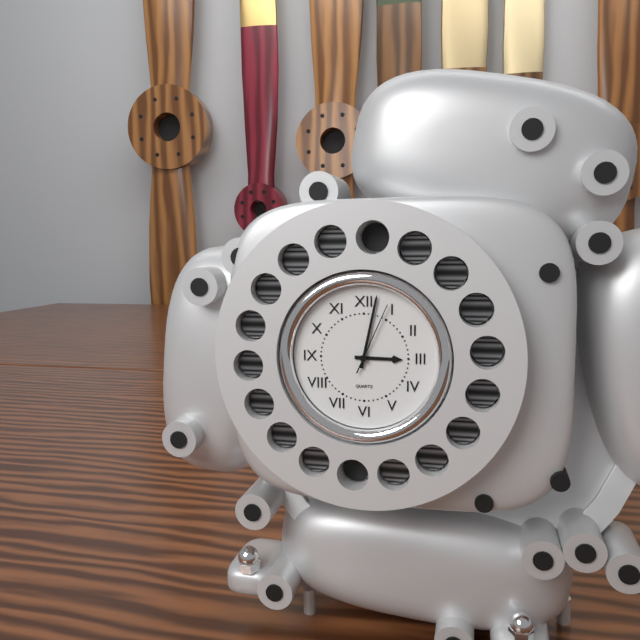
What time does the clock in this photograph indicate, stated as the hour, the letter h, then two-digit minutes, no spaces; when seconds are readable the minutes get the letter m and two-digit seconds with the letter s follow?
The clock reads 3h02m04s
